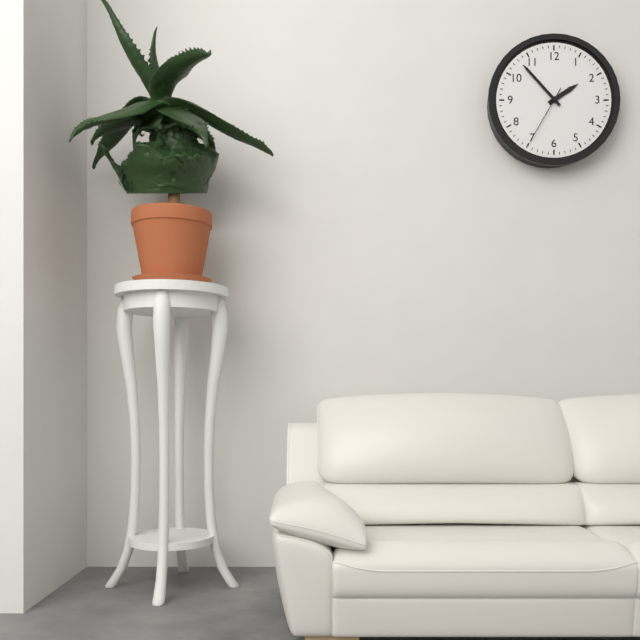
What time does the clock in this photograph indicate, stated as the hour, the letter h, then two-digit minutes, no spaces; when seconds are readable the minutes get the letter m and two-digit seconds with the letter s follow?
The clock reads 1h53m35s
